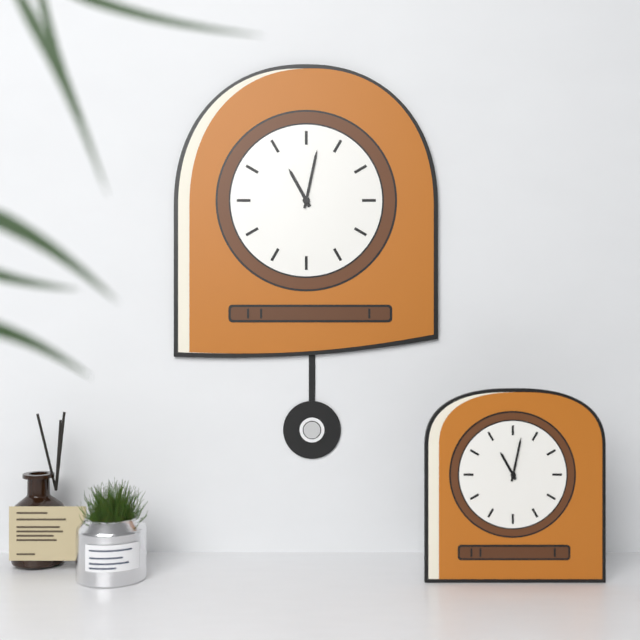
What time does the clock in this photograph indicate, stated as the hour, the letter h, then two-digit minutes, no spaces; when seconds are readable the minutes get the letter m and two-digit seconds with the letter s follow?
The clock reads 11h02
